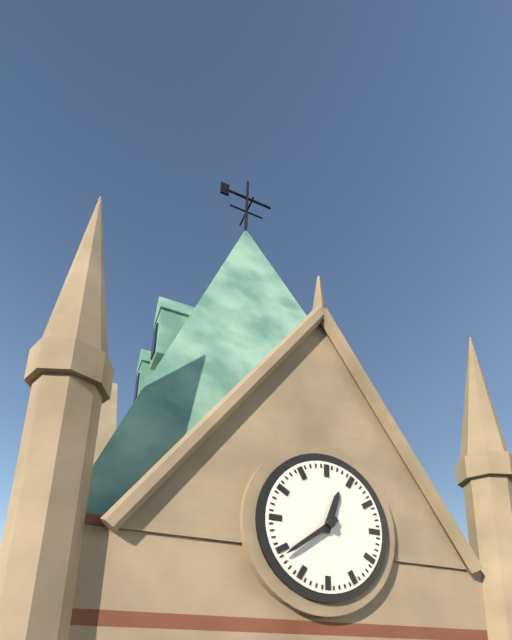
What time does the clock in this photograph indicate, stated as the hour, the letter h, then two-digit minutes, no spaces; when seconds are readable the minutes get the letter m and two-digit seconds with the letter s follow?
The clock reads 12h39
